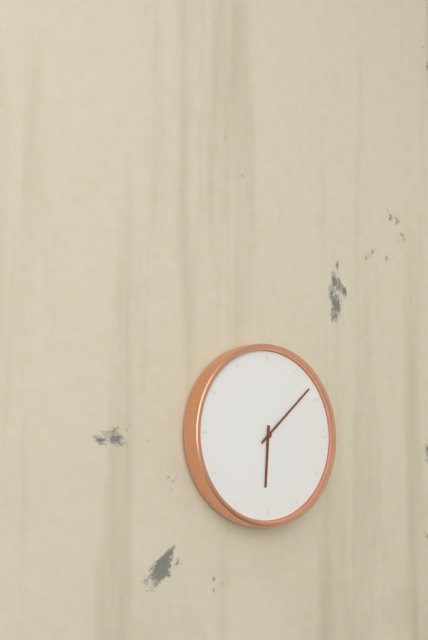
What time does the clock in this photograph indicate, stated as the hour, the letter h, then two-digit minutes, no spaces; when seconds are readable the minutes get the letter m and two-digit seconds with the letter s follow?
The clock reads 6h08
